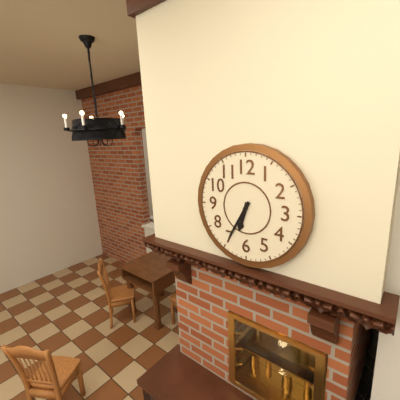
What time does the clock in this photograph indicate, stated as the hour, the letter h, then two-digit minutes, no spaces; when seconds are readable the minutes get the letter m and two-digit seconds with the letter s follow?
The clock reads 6h35
